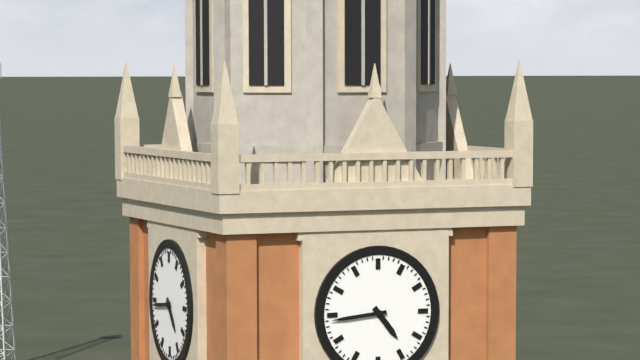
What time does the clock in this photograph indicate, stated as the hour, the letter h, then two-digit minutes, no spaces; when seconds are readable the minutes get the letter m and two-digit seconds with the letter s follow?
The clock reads 4h44
